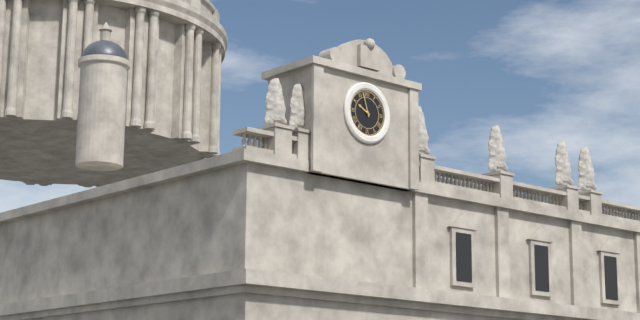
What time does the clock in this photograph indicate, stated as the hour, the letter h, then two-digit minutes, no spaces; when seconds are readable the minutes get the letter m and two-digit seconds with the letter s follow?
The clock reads 9h57
